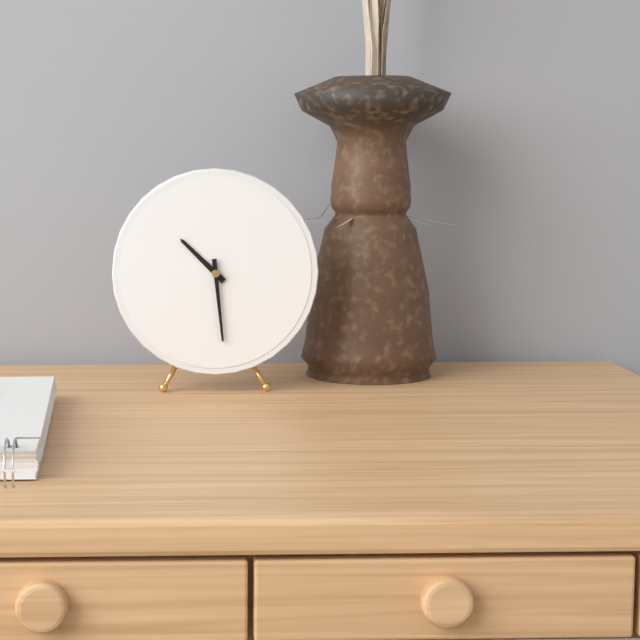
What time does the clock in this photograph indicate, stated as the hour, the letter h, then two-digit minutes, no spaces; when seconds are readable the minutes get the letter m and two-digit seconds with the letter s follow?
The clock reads 10h29
